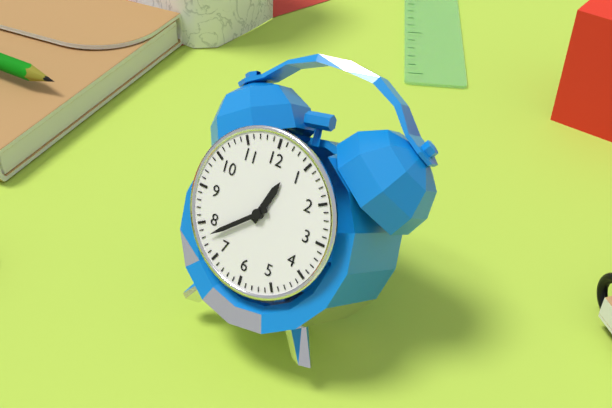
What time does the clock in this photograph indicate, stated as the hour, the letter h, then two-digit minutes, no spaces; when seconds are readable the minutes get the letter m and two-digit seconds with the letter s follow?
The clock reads 12h38
